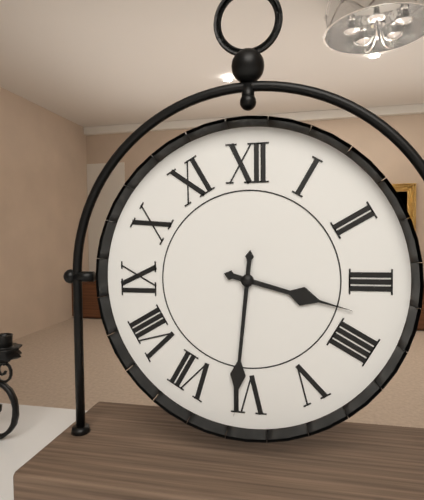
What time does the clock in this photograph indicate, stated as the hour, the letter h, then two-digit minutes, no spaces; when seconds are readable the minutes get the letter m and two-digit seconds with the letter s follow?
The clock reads 3h31
